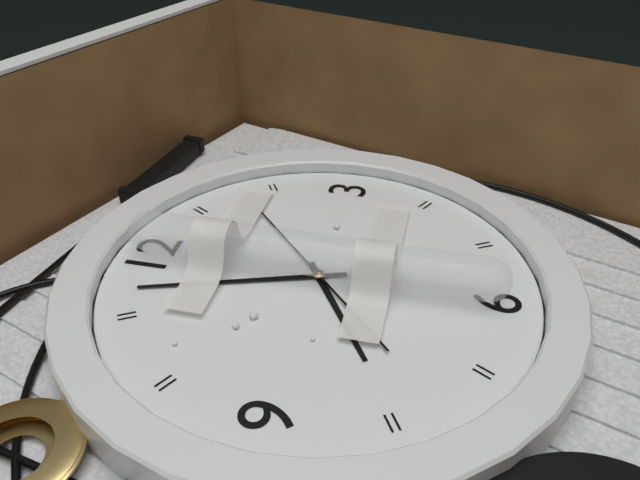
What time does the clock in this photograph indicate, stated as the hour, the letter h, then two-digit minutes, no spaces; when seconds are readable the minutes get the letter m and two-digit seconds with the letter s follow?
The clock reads 7h57m08s
